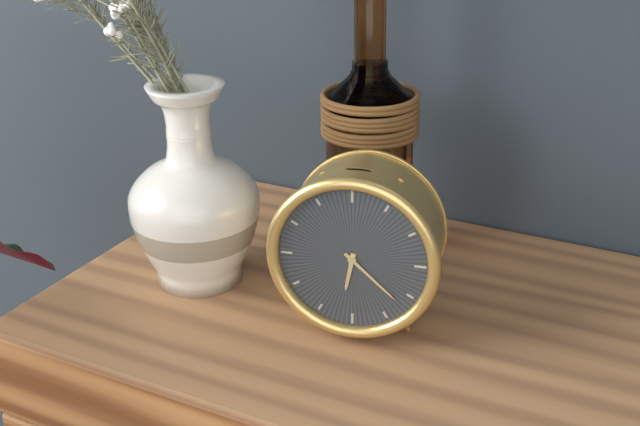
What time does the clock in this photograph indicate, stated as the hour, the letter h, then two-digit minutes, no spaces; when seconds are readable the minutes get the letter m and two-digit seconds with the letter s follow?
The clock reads 6h22
